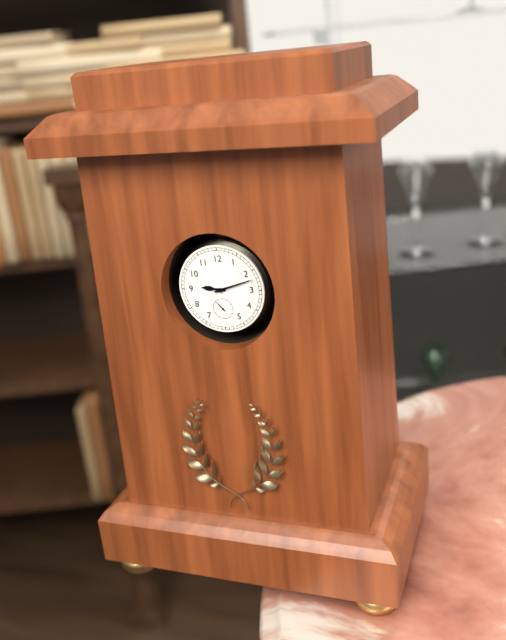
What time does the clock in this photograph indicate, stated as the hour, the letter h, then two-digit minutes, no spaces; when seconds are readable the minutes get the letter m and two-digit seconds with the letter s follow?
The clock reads 9h12
